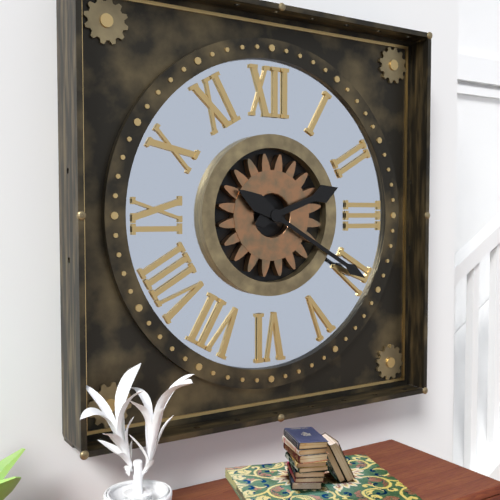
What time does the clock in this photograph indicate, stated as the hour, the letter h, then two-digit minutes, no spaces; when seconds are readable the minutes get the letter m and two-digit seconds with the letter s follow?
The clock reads 2h20
